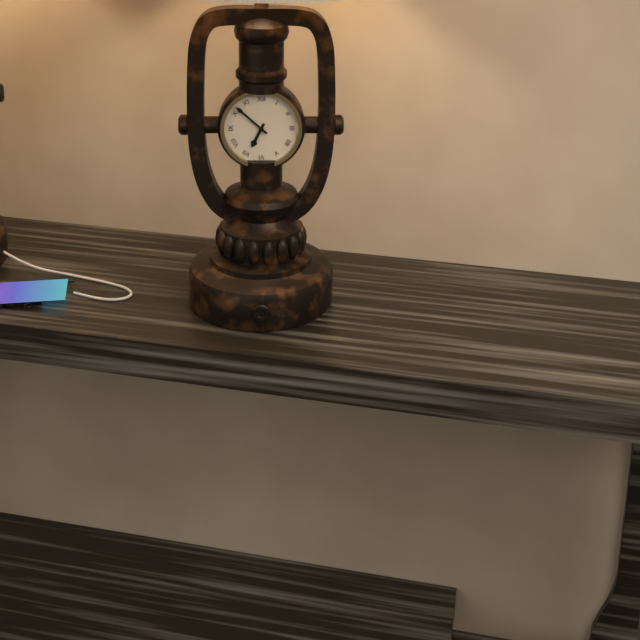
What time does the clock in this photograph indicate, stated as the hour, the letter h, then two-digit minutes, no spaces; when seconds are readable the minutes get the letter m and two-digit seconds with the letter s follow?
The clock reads 6h52
